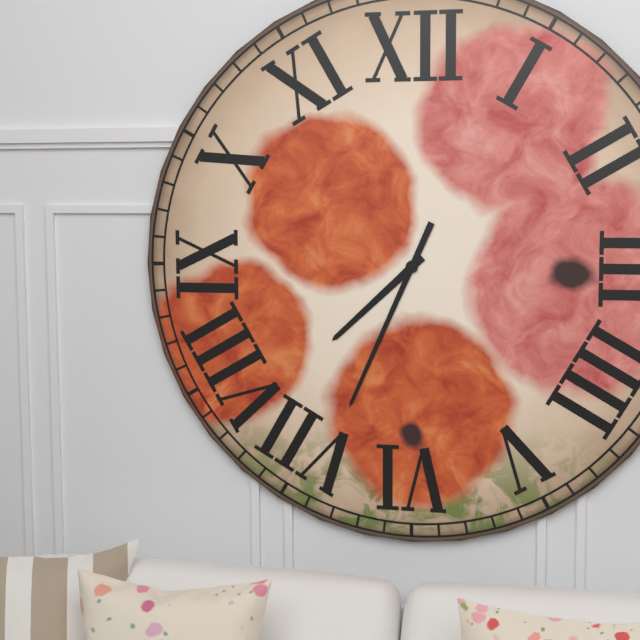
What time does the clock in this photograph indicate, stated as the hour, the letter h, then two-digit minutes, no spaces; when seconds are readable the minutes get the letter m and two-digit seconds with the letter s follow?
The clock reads 7h34
